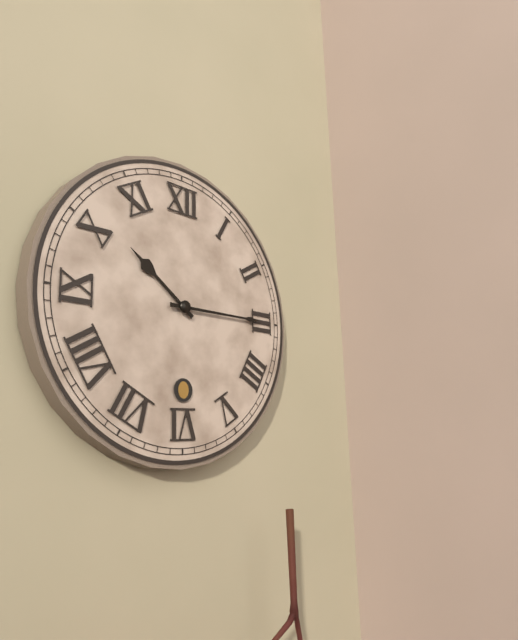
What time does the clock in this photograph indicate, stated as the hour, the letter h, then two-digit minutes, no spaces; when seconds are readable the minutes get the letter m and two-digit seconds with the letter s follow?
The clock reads 10h15
